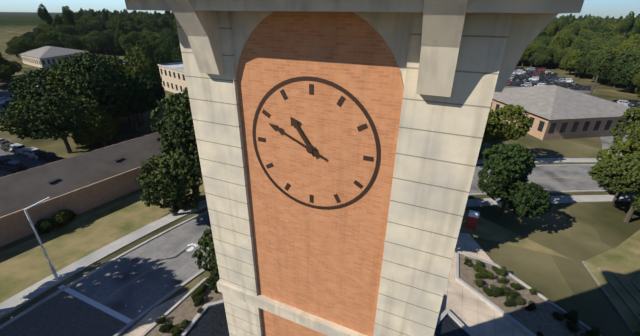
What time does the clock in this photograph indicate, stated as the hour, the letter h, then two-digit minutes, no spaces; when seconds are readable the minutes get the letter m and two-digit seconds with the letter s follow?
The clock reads 10h49
